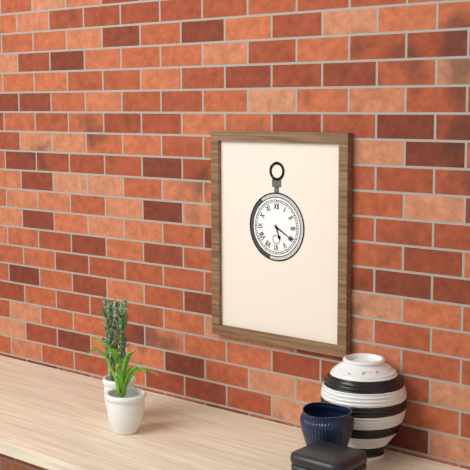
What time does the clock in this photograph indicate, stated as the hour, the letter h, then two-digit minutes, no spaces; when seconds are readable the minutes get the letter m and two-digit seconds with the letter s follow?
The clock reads 5h20
